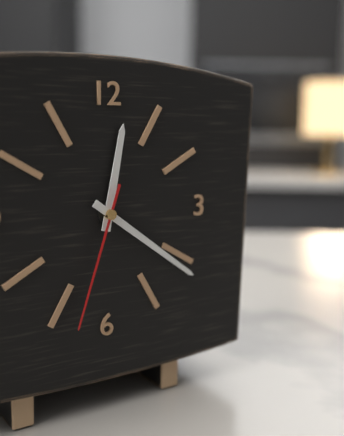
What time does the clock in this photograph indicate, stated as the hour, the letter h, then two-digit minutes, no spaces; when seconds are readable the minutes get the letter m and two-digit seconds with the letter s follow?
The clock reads 12h21m33s
